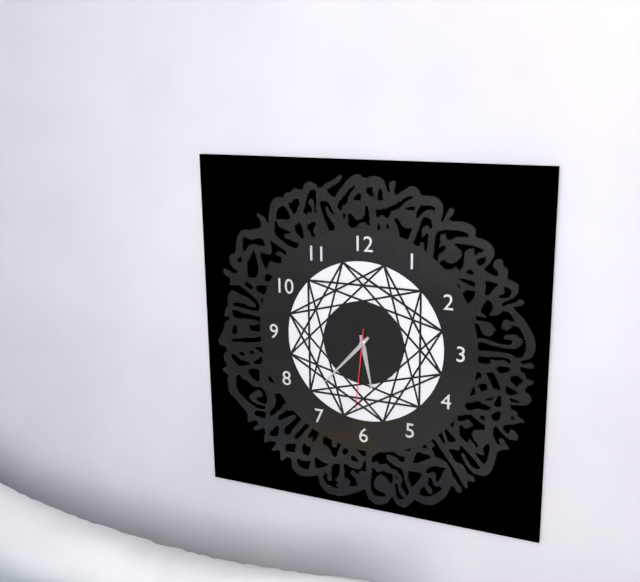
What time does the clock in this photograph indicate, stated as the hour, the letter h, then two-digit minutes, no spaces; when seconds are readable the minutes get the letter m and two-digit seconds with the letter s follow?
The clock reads 5h37m31s
